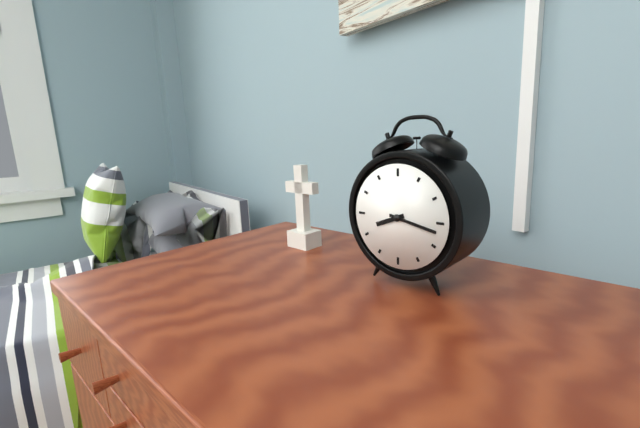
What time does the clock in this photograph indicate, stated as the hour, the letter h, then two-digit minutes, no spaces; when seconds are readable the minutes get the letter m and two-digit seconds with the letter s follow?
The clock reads 8h17
